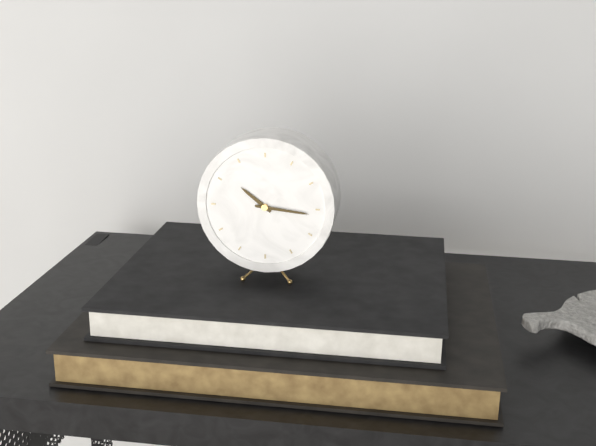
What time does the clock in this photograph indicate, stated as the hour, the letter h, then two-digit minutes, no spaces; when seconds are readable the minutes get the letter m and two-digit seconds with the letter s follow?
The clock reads 10h16
